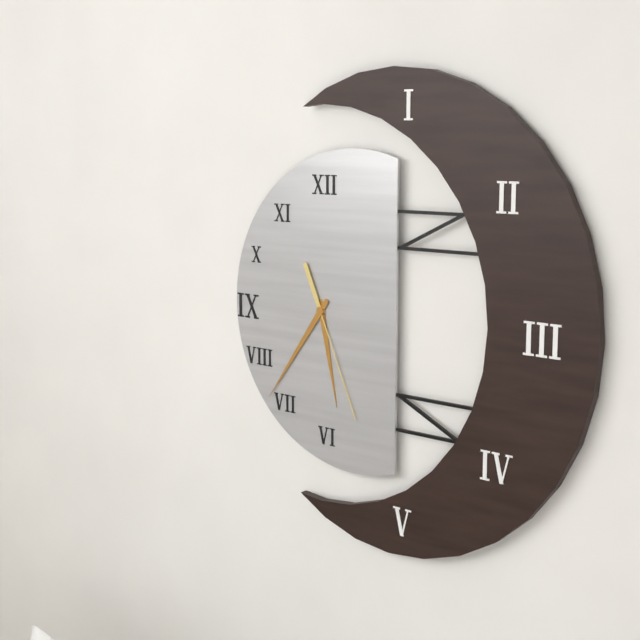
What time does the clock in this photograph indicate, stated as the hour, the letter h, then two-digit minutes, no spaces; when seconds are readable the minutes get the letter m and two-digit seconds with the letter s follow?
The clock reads 5h36m26s
